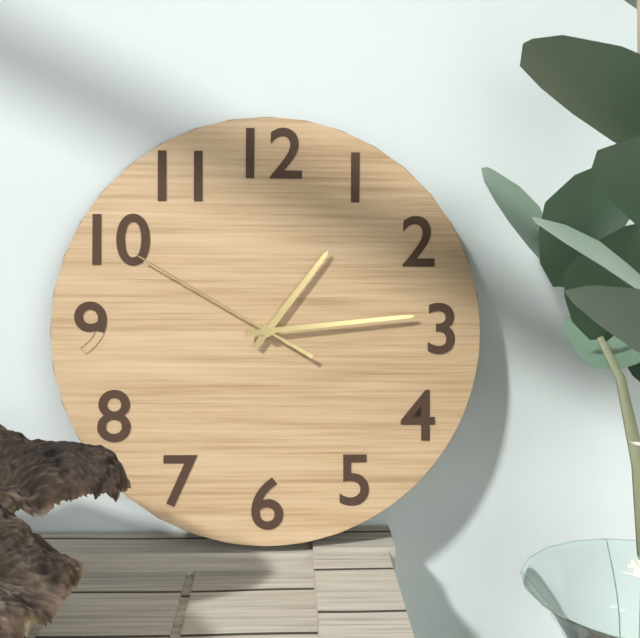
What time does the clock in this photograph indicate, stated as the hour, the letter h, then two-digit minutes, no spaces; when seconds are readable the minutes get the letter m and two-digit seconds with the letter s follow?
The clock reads 1h14m50s
